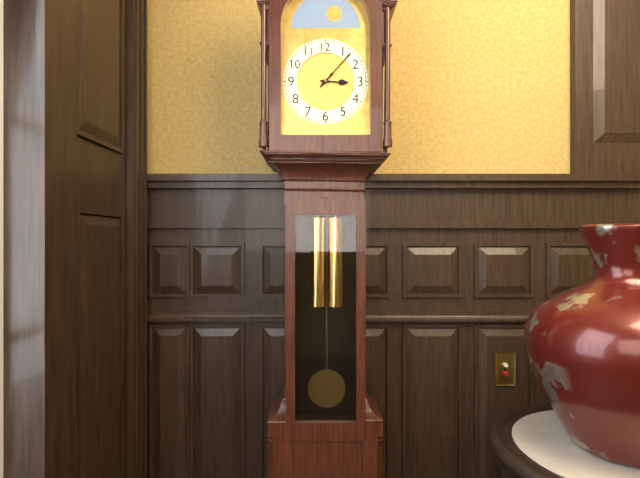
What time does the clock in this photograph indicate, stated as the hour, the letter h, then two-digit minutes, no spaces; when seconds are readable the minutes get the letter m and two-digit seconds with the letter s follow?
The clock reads 3h07
